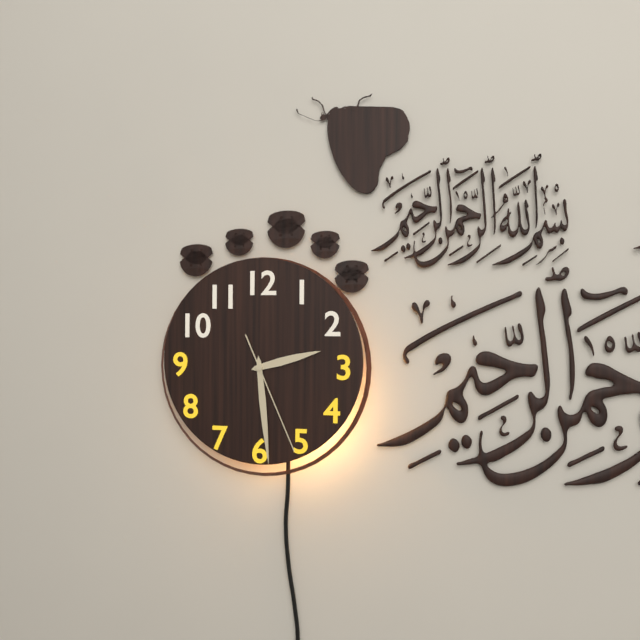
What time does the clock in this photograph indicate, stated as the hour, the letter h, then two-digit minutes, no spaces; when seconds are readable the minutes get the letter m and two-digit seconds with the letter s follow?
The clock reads 2h29m26s
